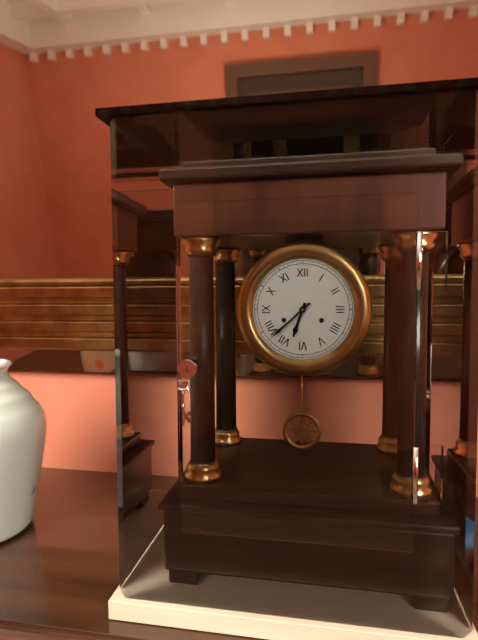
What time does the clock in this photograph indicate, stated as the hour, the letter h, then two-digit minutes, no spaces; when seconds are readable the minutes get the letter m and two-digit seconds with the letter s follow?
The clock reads 6h38
